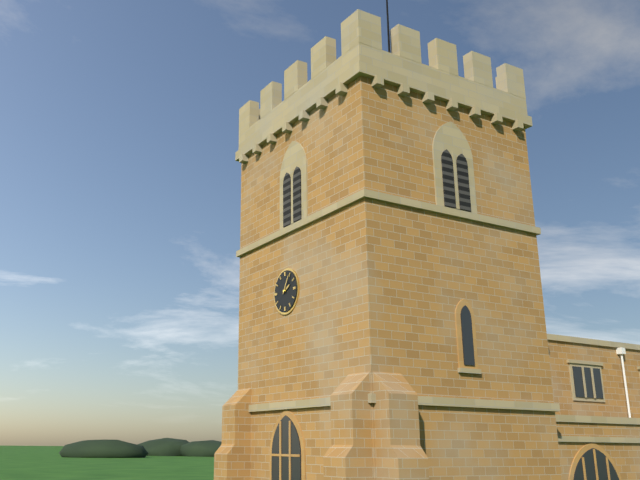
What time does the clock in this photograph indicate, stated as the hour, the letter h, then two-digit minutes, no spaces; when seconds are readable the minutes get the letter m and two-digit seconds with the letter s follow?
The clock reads 2h05
